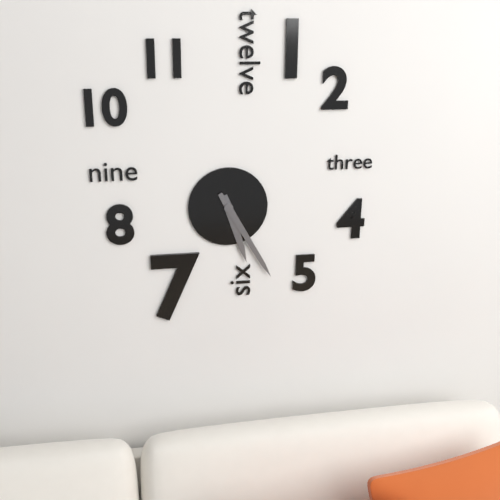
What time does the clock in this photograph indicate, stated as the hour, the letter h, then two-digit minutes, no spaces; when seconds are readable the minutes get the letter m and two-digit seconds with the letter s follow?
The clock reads 5h25
